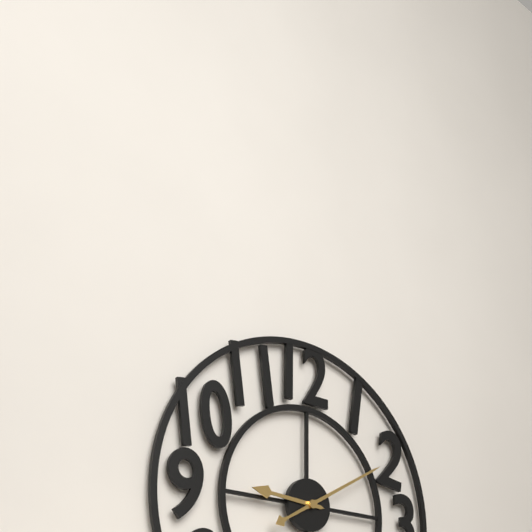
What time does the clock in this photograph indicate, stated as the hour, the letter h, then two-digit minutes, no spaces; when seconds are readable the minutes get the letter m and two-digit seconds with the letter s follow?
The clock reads 9h10
